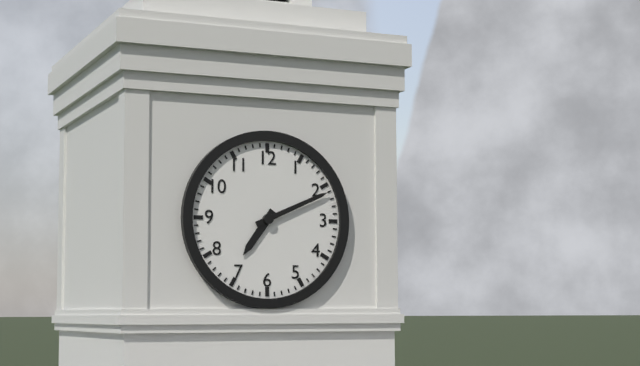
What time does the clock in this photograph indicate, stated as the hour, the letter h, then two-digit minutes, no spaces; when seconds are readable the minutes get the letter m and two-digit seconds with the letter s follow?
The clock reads 7h11
